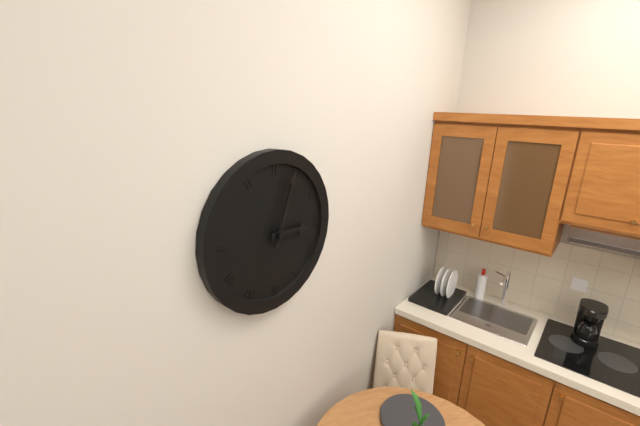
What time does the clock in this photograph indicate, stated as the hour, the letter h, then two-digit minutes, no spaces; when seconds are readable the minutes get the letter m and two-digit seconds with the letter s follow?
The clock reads 3h03
